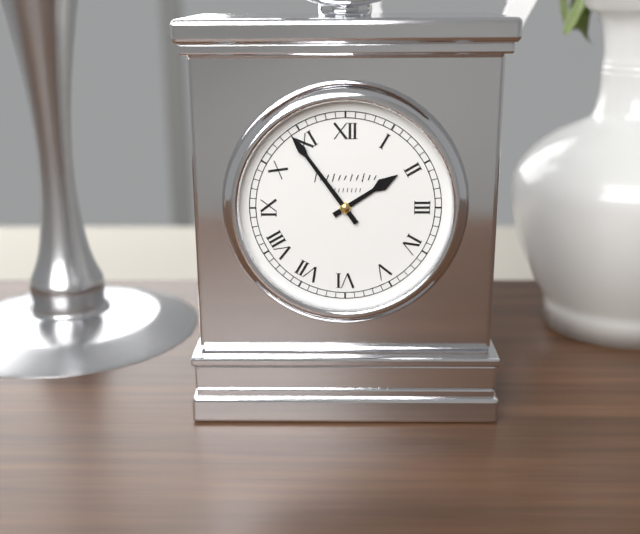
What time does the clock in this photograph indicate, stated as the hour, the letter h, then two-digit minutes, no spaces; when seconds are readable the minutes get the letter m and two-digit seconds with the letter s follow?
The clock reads 1h54
